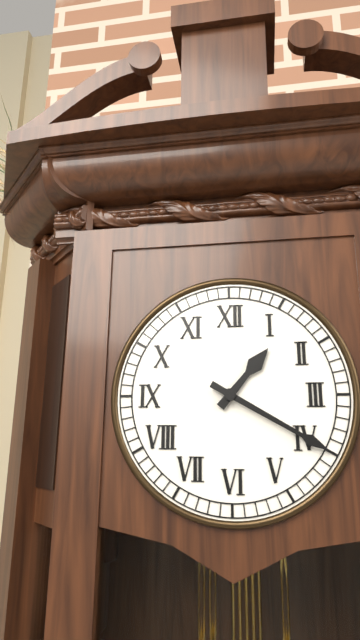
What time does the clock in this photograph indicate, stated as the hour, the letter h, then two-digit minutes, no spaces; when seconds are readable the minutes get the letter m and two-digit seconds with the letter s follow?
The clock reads 1h20
